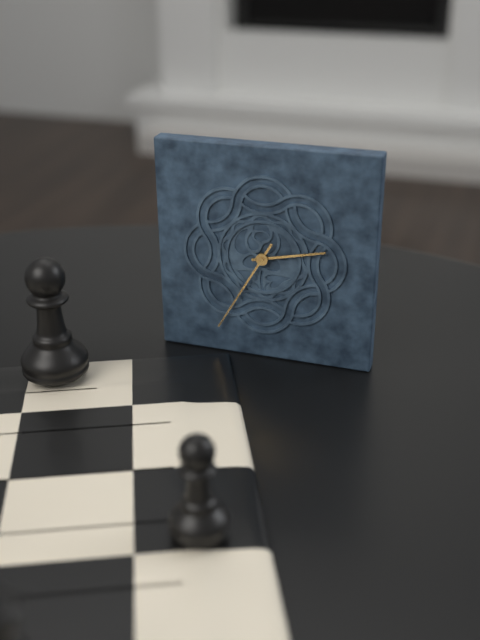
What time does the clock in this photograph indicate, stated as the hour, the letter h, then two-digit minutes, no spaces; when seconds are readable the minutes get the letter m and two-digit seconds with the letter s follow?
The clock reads 2h35
